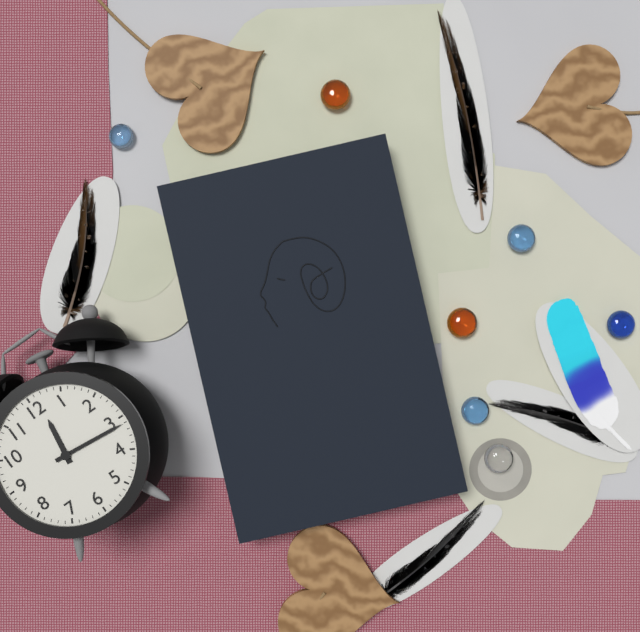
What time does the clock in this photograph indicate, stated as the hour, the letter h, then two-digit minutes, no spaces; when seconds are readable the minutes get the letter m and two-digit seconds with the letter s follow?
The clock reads 12h16
